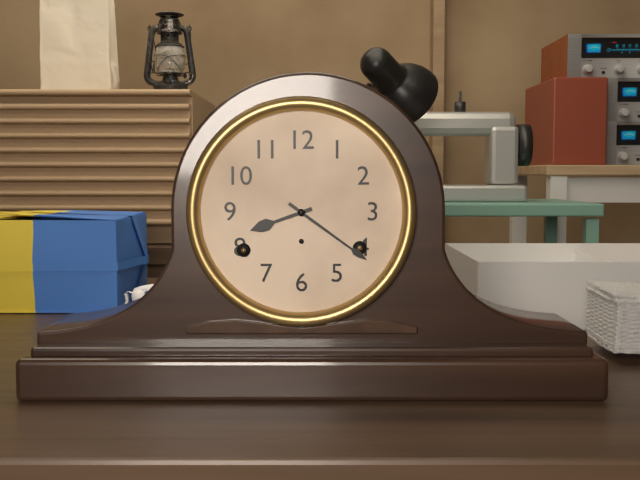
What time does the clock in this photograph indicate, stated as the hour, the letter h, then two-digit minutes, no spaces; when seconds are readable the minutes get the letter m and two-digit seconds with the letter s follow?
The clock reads 8h21
